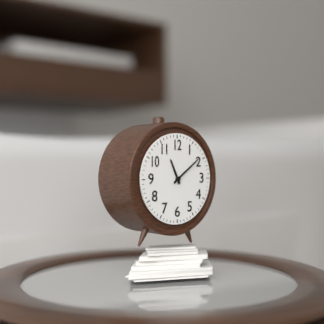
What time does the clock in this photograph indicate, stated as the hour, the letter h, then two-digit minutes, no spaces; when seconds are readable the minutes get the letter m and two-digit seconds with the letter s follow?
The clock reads 11h09
